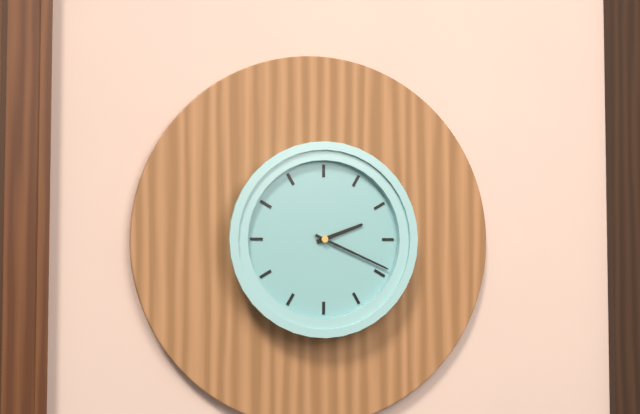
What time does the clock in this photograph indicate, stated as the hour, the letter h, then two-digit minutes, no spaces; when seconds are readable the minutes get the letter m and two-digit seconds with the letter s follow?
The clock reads 2h19
